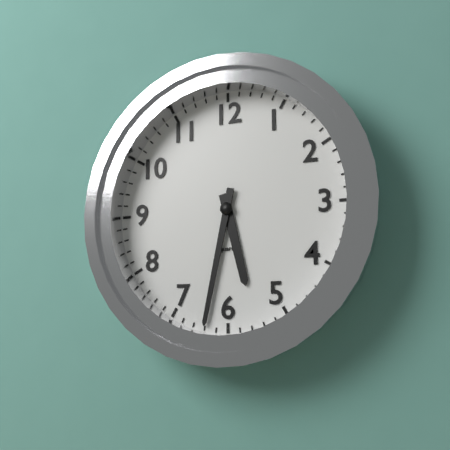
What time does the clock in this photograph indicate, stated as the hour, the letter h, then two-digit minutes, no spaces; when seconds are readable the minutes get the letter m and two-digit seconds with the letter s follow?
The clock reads 5h32
